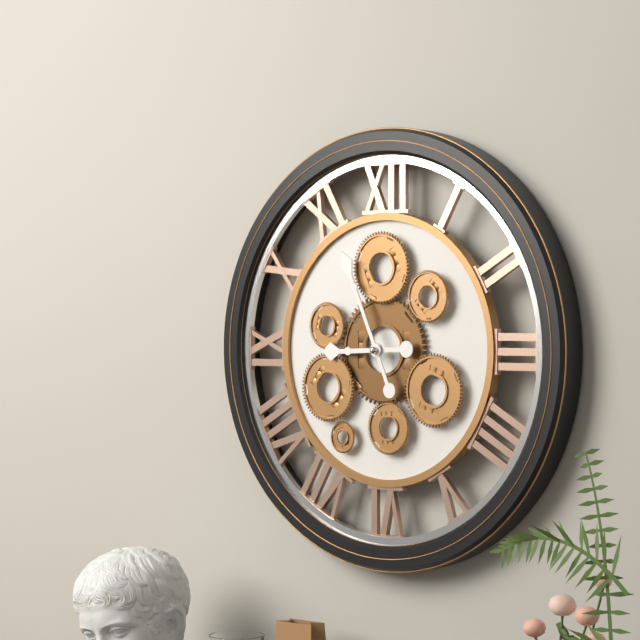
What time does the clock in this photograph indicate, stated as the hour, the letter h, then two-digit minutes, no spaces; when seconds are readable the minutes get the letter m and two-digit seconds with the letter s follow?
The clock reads 8h56
